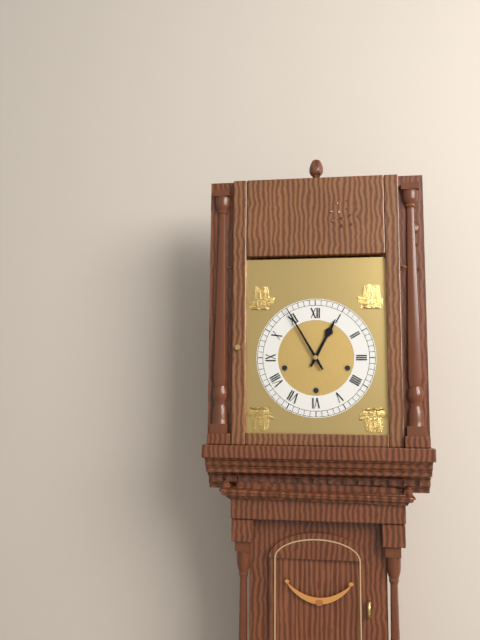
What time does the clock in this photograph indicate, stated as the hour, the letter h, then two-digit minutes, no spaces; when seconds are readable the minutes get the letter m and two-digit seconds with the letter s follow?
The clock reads 12h55
